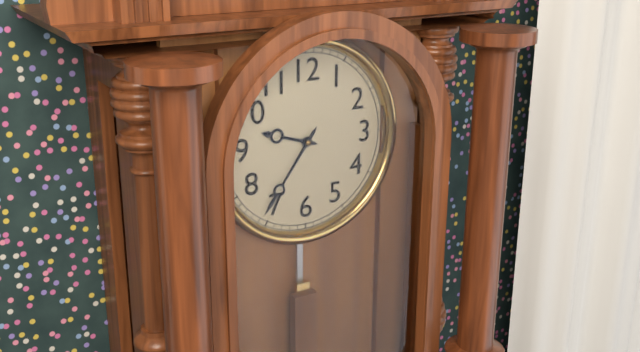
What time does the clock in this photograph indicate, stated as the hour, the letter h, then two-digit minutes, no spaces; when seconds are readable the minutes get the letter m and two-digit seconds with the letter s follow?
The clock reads 9h36
